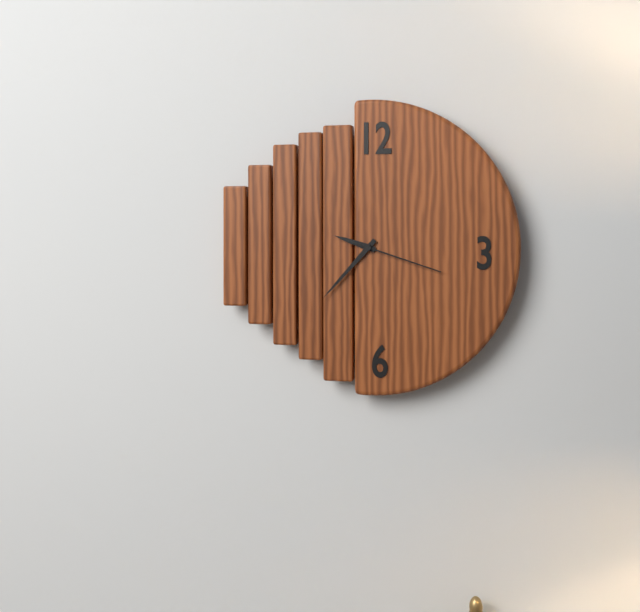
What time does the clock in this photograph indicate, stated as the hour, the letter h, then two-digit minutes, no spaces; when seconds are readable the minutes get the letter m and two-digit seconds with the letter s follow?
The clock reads 9h37m18s
